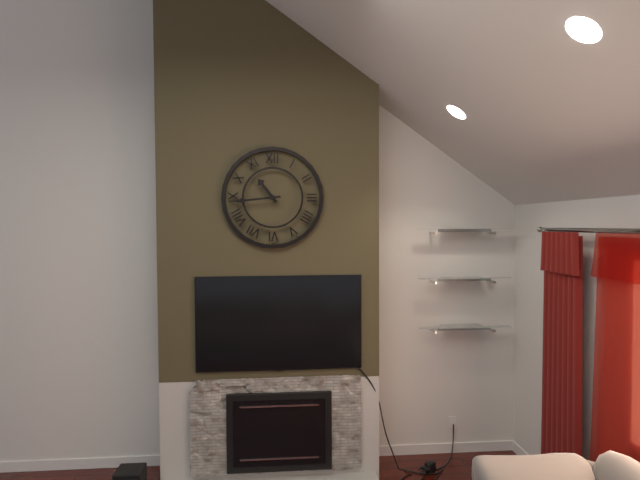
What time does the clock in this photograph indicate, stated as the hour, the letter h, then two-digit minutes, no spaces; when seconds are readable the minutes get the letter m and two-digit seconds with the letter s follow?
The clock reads 10h44
